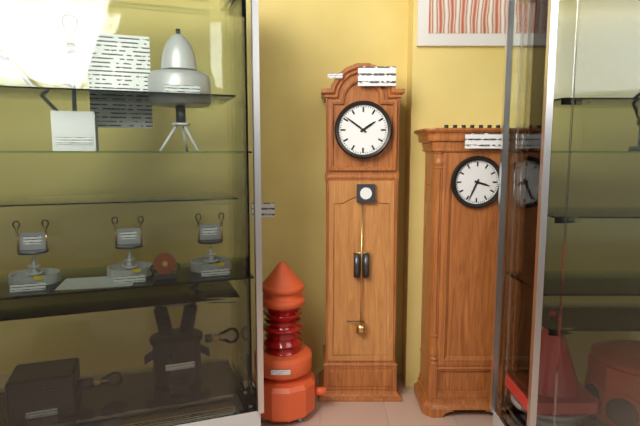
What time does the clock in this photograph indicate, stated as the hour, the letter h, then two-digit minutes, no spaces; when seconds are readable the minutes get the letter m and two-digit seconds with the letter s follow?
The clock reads 1h51
